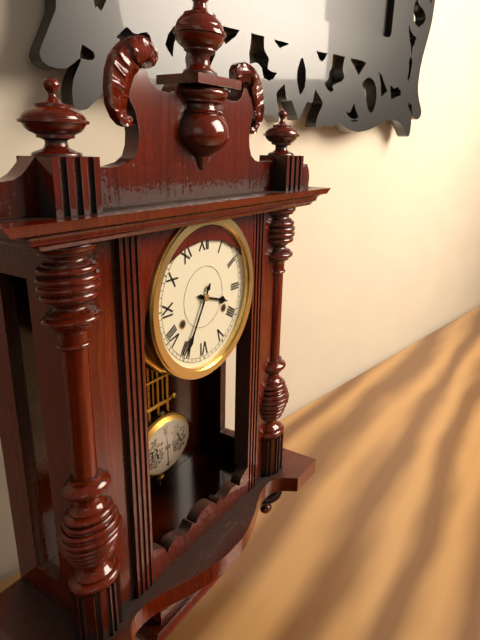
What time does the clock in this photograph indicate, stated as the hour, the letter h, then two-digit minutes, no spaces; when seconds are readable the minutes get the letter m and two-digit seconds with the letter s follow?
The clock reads 3h35
